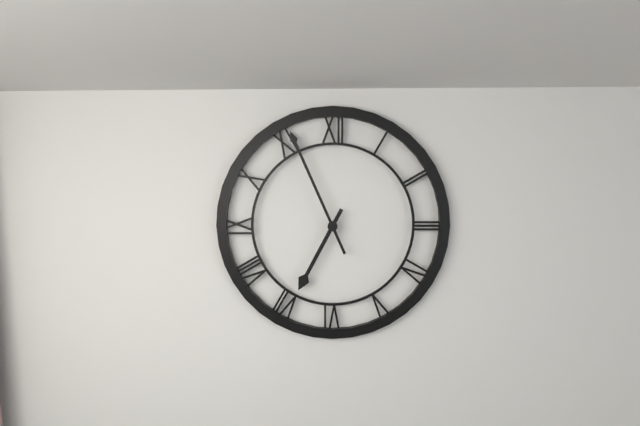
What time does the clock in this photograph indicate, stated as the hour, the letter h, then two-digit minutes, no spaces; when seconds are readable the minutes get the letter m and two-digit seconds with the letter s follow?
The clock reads 6h56
